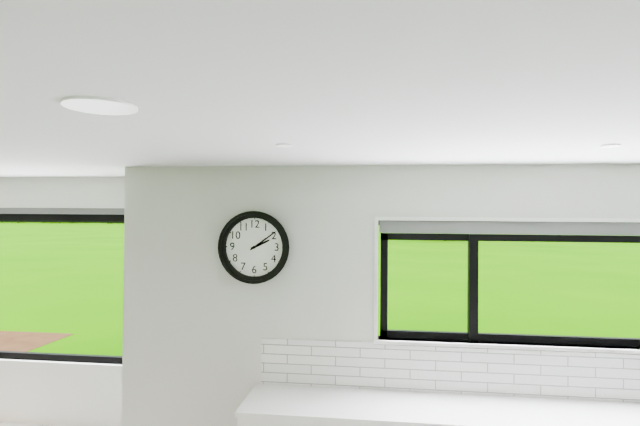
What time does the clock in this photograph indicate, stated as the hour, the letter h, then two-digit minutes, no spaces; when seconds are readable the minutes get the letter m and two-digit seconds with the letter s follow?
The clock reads 2h09
